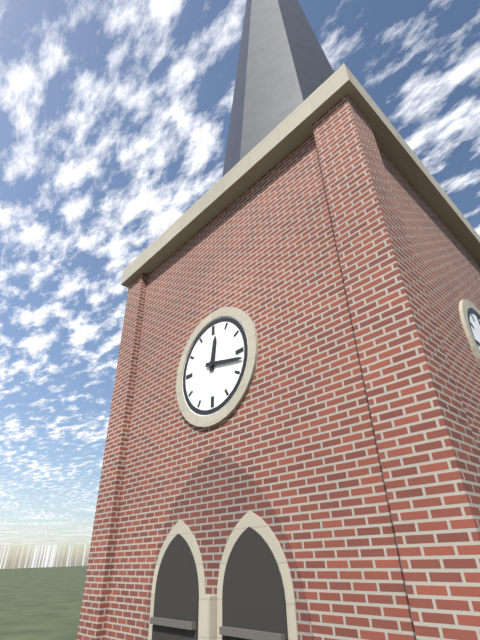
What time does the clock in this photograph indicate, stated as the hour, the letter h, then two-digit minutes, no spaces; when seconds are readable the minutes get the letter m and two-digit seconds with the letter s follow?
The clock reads 12h17
